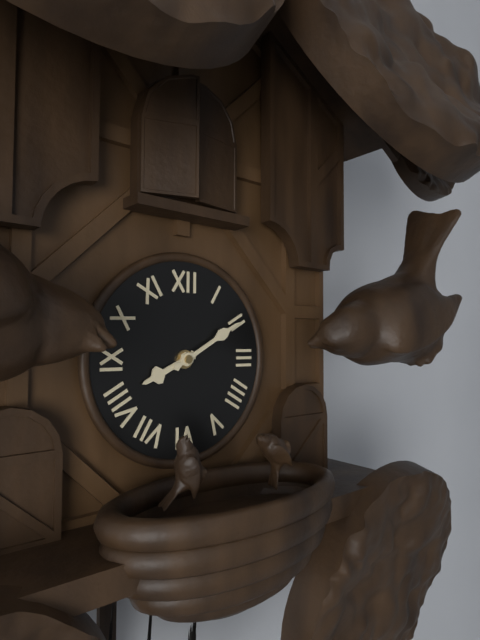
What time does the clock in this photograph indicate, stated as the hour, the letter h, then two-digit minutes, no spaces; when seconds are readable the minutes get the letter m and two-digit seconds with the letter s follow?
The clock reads 8h10
